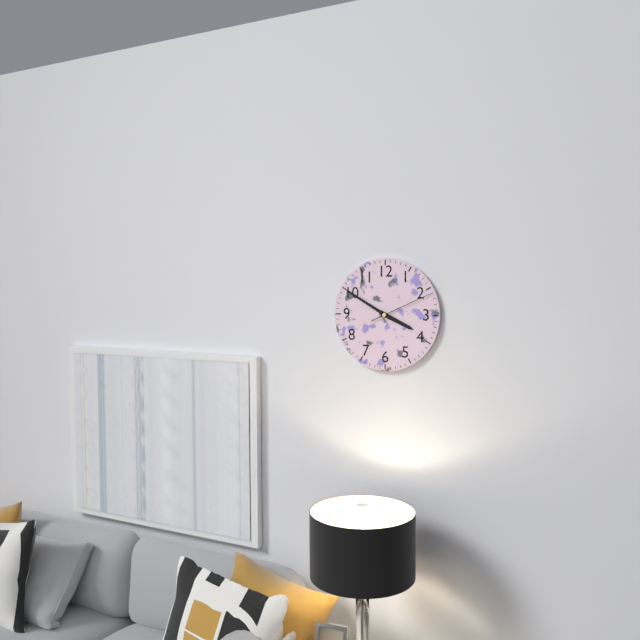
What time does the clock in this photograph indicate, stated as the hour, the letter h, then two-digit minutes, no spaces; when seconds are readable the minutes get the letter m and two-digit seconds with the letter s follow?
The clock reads 3h50m11s
